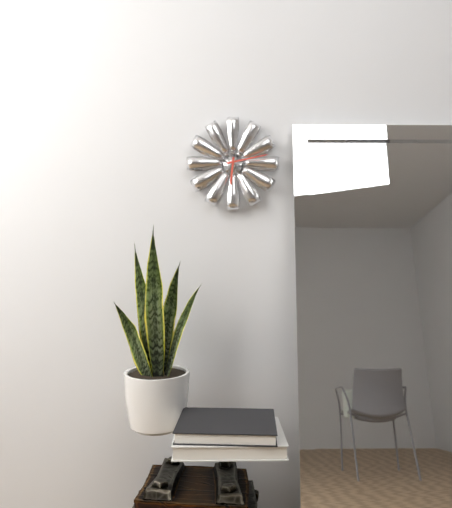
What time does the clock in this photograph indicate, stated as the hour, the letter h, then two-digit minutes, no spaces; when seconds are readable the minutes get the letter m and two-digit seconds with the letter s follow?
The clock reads 6h13
